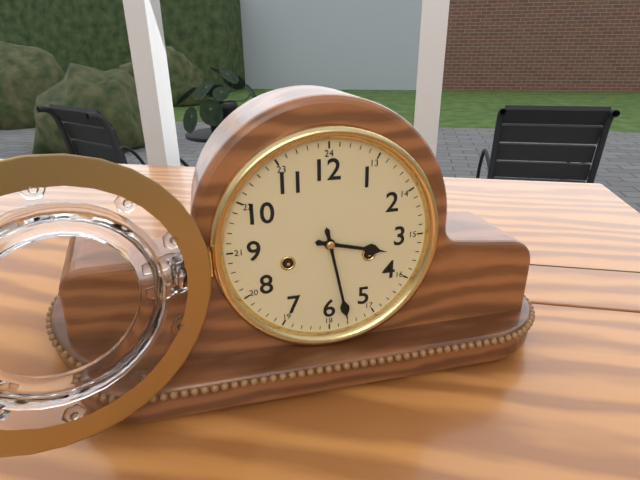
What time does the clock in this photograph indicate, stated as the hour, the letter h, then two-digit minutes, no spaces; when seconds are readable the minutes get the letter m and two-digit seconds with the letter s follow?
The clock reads 3h28
